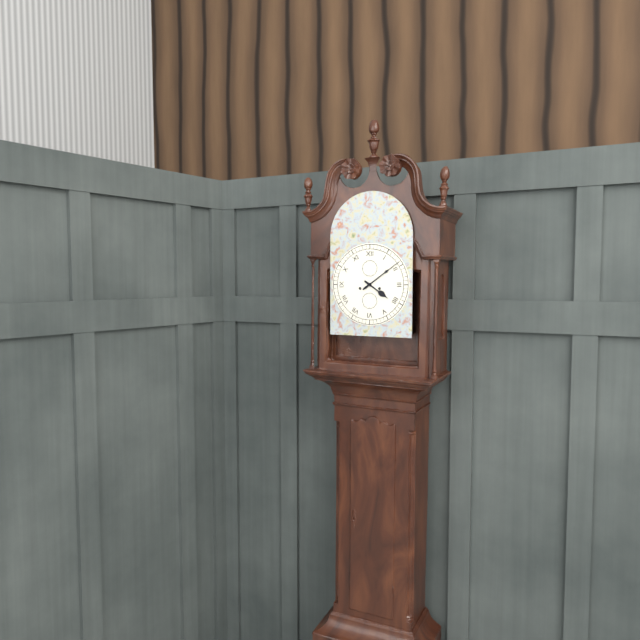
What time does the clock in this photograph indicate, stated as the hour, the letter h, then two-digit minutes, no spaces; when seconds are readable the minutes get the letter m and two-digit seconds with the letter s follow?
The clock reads 4h09
